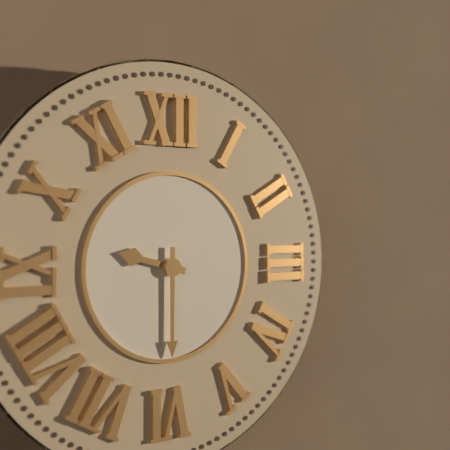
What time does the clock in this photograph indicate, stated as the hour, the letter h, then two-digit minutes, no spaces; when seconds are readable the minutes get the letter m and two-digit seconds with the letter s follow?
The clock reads 9h30
